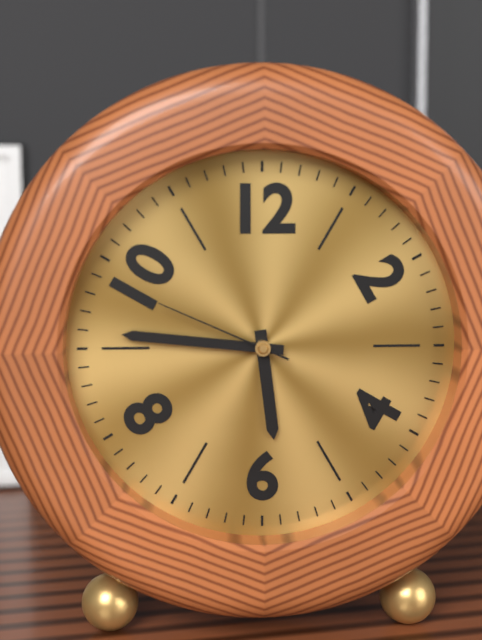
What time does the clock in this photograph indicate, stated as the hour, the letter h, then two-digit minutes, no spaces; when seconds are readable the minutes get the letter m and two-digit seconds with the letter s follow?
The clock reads 5h46m49s
